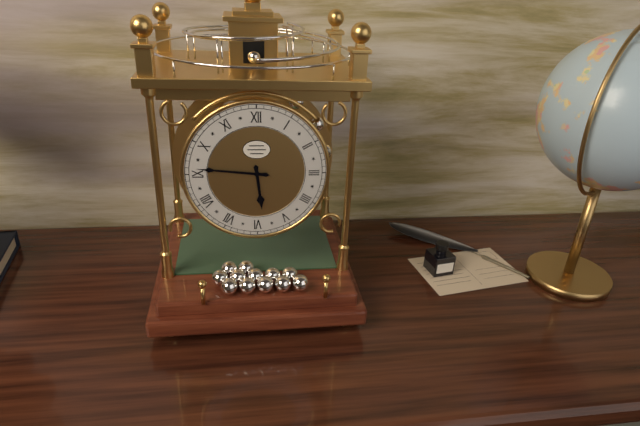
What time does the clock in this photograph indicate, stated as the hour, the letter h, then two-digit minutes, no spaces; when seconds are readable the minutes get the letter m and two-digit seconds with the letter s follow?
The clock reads 5h46
